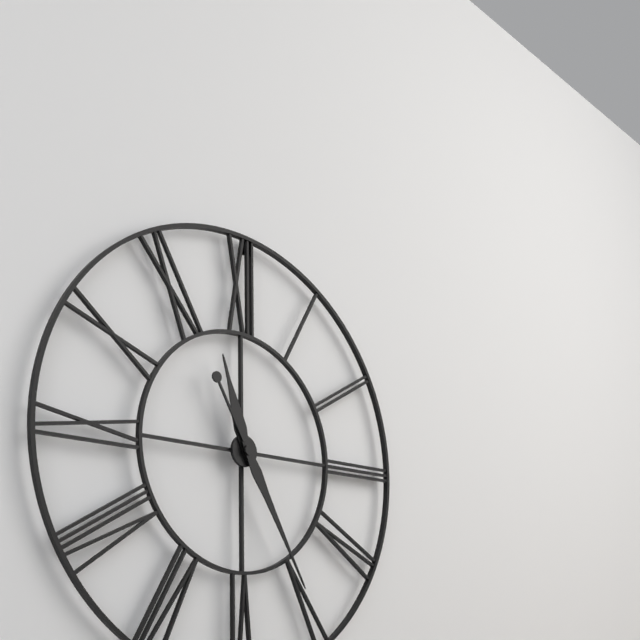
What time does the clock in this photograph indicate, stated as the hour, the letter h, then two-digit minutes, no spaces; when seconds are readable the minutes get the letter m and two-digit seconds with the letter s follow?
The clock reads 11h25
